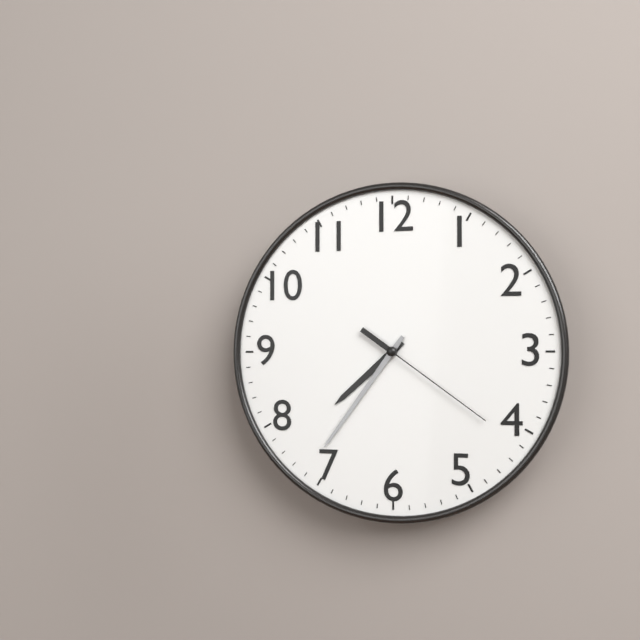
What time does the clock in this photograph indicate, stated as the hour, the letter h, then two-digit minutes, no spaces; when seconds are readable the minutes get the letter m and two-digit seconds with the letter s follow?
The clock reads 7h36m21s
